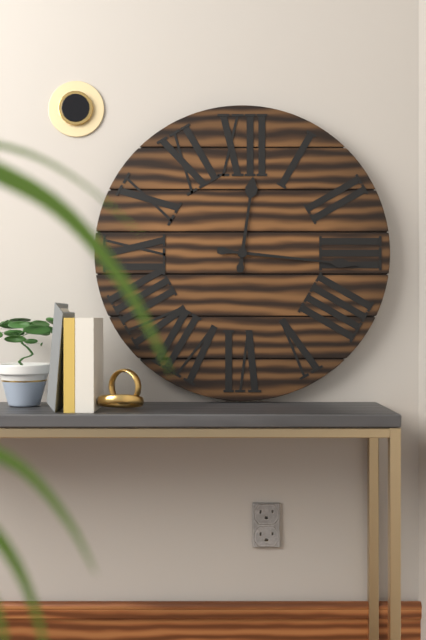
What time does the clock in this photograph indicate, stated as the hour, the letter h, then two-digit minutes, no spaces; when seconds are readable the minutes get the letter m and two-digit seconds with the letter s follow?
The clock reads 12h16
